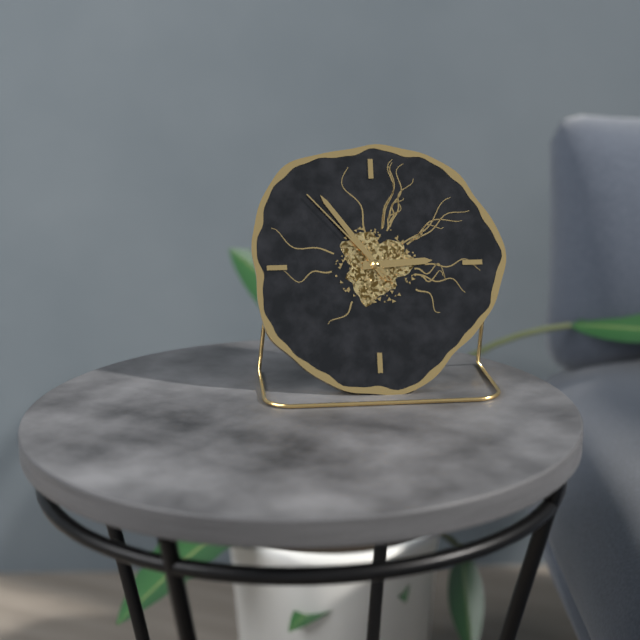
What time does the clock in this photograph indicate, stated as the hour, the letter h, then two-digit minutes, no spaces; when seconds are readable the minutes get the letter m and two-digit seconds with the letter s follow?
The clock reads 2h54m53s
